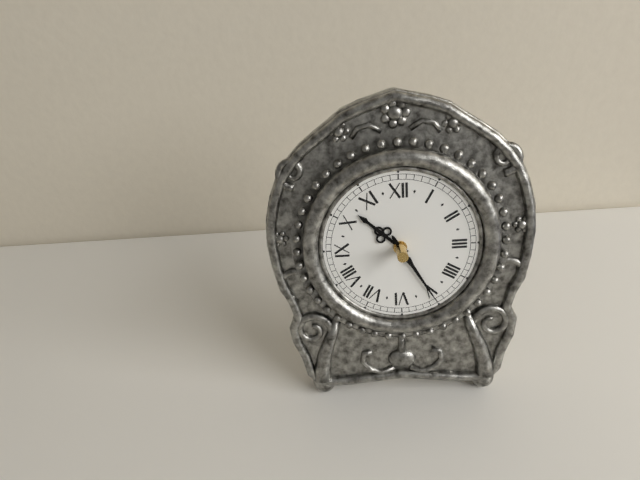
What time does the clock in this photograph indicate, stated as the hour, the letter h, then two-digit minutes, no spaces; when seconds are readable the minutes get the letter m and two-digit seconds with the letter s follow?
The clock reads 10h25
